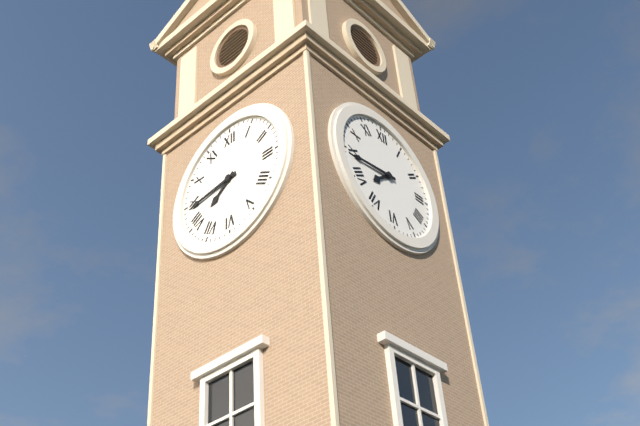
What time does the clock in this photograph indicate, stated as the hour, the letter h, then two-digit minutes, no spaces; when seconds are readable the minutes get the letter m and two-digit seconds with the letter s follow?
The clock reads 7h44
